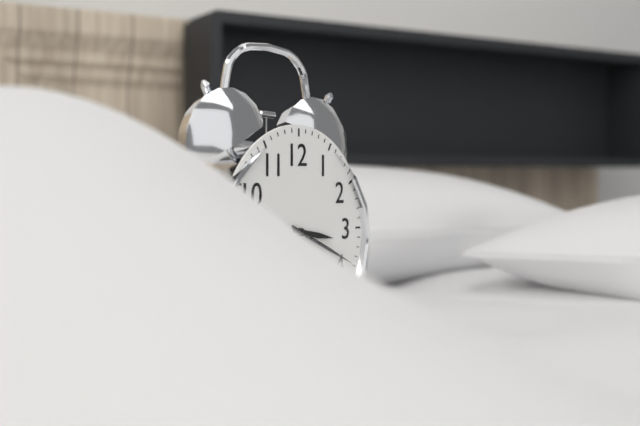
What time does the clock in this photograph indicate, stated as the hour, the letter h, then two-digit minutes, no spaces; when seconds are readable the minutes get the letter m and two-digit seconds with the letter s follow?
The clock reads 3h19
